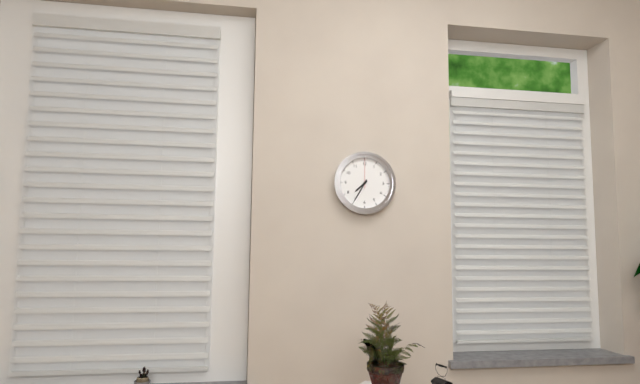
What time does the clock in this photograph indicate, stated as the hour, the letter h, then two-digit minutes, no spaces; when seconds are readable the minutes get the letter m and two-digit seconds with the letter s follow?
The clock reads 7h35
